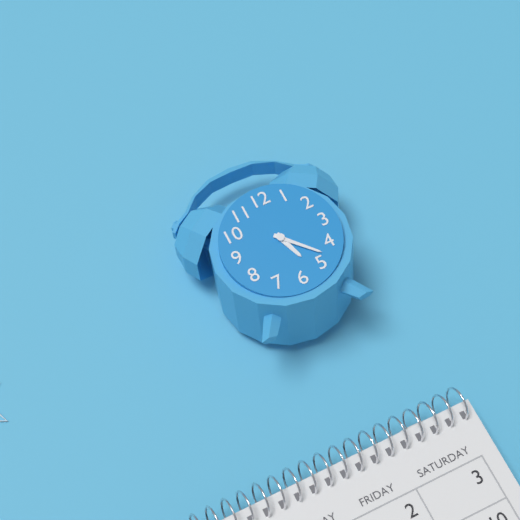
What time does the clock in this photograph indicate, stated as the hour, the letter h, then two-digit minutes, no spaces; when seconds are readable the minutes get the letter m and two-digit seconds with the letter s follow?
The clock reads 5h23
